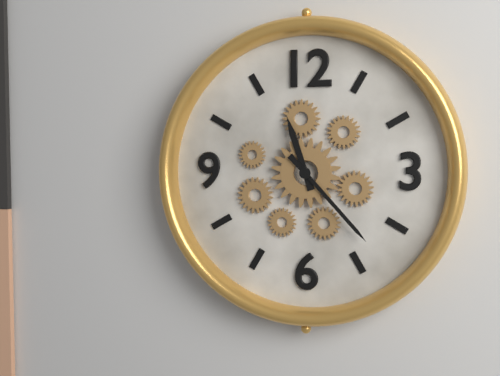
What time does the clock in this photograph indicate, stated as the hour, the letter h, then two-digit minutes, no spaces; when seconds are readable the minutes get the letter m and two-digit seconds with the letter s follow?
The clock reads 11h23
